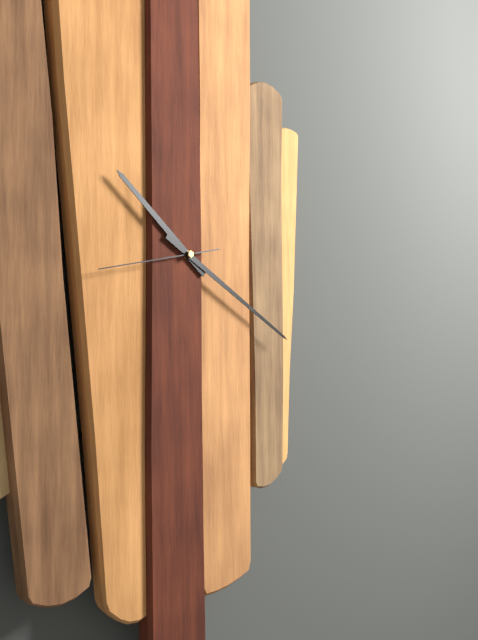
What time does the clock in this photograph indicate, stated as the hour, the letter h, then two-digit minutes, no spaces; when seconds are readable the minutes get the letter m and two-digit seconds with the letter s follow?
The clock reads 10h20m43s
